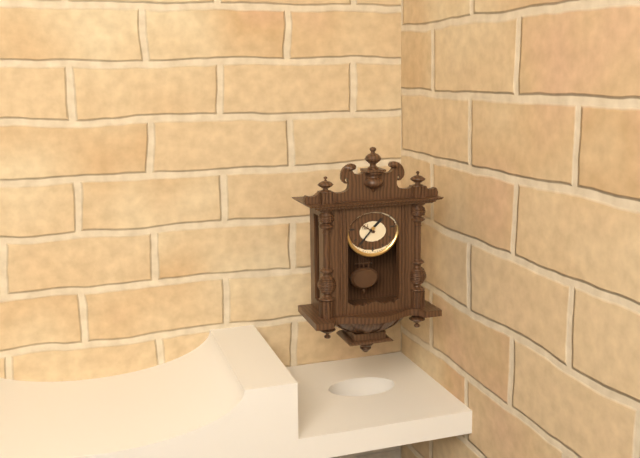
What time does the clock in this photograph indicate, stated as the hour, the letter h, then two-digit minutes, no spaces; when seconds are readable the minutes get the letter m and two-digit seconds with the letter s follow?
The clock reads 1h37
